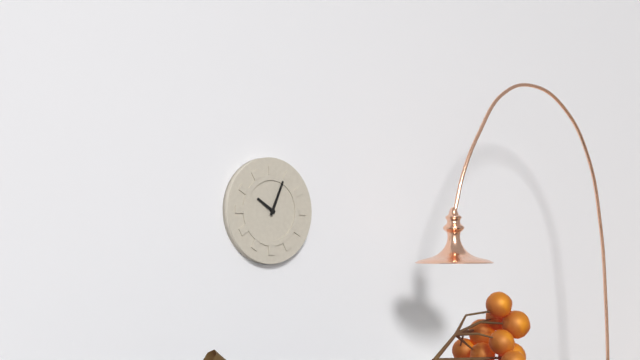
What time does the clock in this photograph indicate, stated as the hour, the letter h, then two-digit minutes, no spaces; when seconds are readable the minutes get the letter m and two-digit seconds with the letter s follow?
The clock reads 10h04
